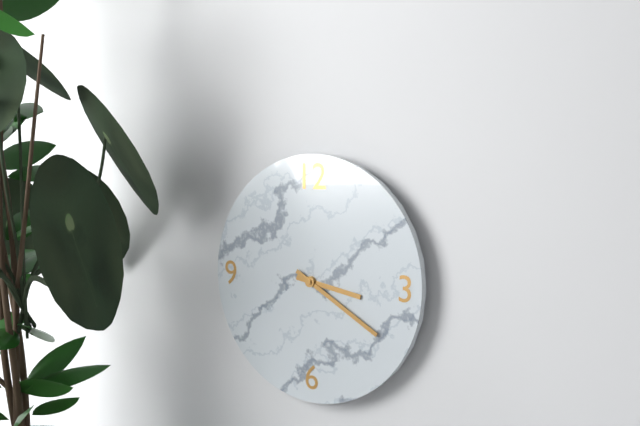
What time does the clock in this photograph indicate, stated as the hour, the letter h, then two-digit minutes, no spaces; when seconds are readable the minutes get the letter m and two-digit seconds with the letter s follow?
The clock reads 3h20
